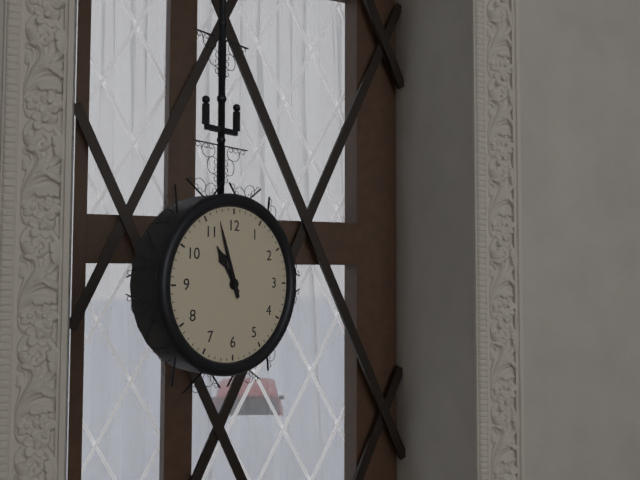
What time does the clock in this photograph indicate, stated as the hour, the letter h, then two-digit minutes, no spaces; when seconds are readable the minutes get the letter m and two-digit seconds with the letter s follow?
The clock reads 10h57
